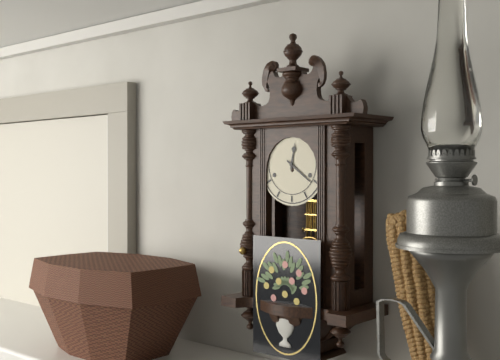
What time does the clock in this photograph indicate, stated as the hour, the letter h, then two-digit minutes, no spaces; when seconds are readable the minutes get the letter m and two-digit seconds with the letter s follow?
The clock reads 12h21
